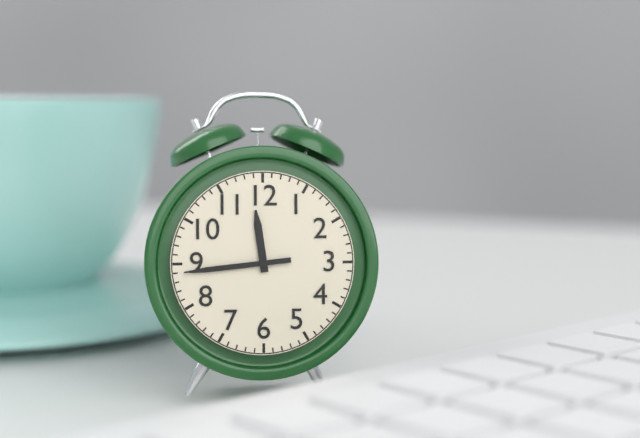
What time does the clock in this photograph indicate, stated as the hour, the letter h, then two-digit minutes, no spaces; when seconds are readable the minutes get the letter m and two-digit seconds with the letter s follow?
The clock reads 11h44
